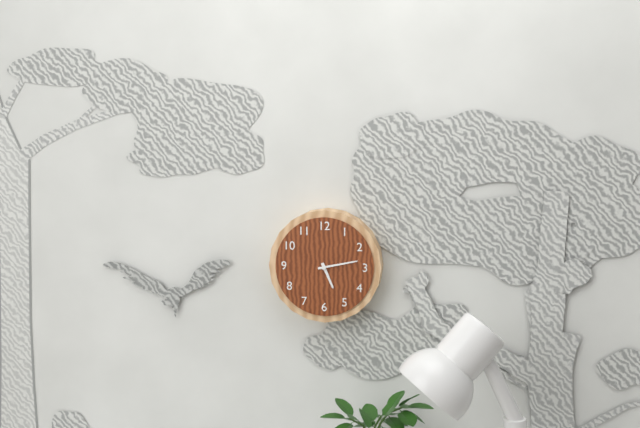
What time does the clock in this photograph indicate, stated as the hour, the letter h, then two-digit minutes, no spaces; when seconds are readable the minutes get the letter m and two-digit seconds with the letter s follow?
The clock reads 5h13
